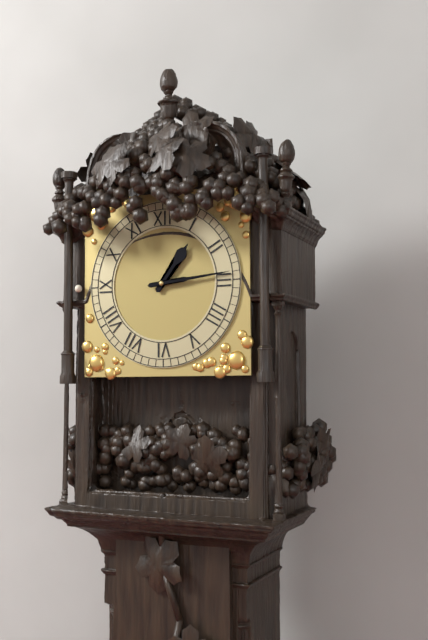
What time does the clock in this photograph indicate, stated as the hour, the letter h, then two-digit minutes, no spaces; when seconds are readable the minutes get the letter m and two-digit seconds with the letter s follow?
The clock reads 1h14
